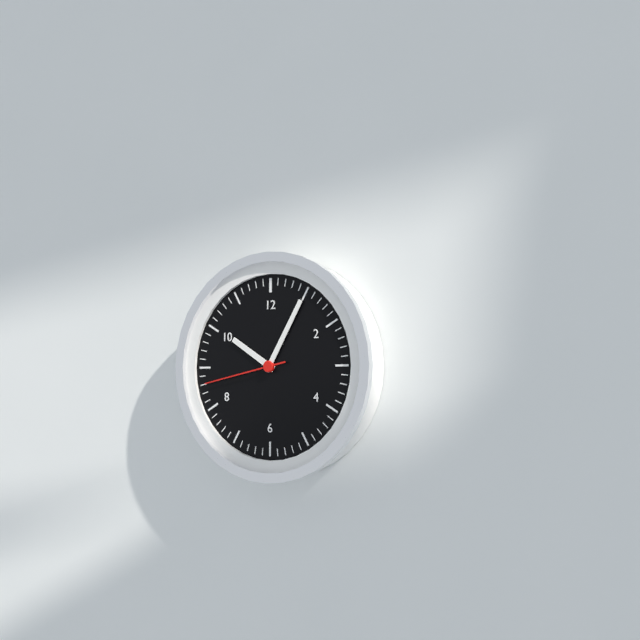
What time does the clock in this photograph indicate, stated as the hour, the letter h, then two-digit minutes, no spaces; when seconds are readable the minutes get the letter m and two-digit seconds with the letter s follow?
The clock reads 10h05m43s
